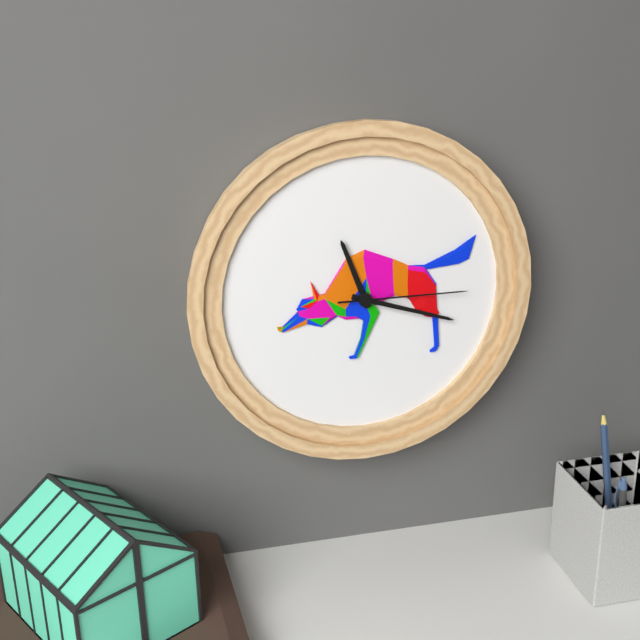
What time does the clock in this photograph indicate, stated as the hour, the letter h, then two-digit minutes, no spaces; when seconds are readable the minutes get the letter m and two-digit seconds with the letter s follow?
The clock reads 11h18m15s
